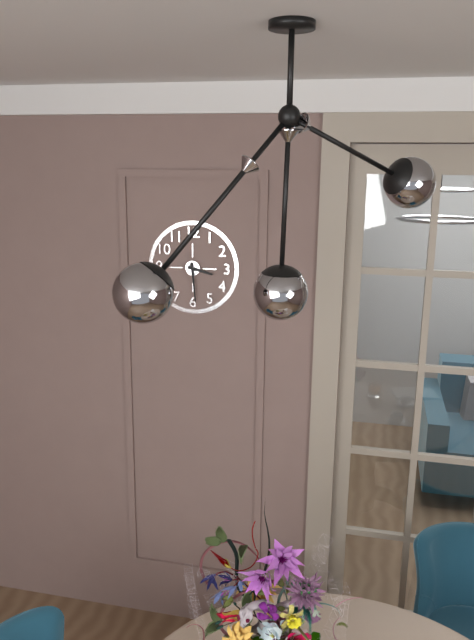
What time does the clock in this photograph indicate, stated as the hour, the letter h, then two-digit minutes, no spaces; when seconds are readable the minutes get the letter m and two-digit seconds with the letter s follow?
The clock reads 3h29
